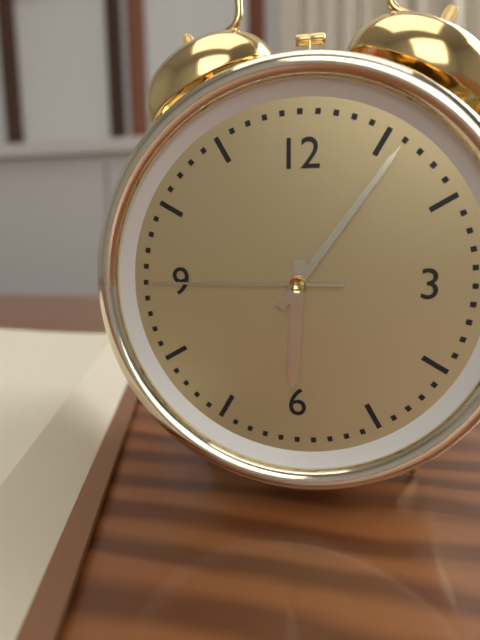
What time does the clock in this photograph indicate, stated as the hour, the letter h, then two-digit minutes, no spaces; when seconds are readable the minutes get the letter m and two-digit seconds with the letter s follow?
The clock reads 6h06m45s
